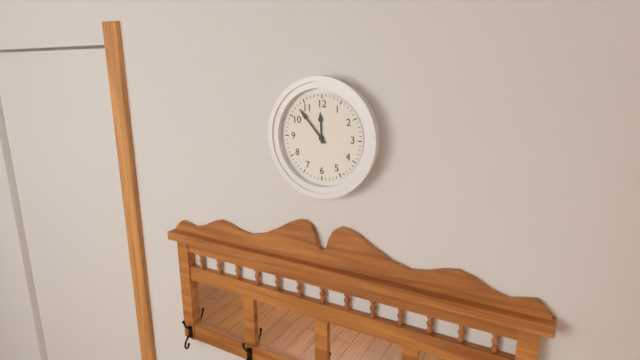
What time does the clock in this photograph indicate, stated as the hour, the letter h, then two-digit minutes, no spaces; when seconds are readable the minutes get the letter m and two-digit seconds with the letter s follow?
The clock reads 11h53
